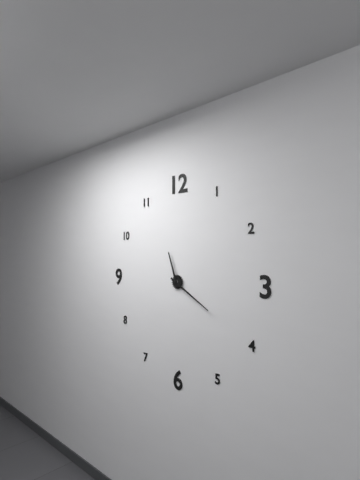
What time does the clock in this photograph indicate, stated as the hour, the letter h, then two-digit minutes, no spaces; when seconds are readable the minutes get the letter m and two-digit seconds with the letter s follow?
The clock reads 11h20
